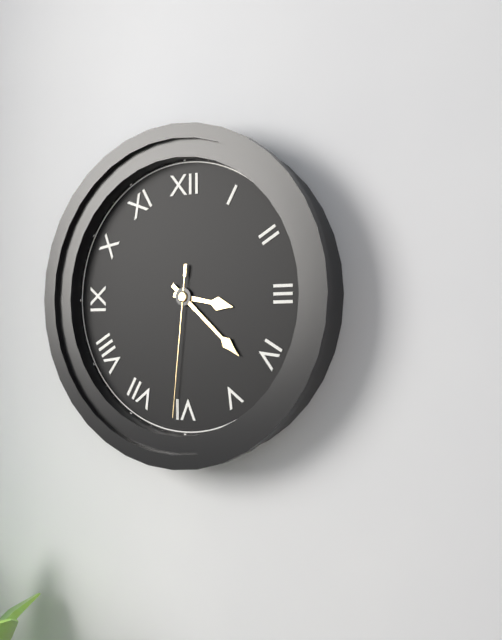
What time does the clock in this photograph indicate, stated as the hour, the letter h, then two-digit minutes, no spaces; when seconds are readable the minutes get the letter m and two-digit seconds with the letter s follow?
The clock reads 3h22m31s
